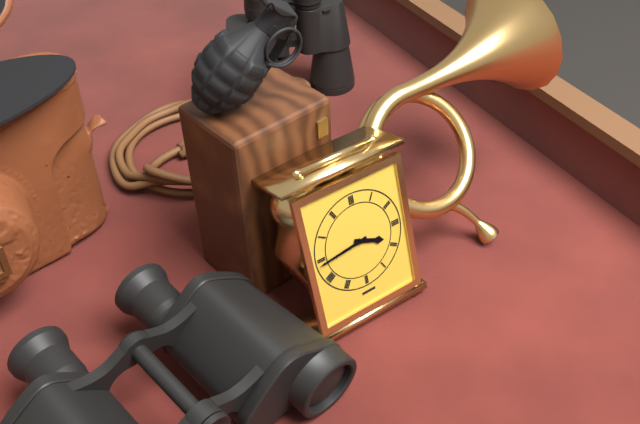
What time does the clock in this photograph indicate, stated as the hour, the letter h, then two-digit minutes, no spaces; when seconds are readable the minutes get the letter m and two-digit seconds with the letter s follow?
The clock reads 3h44
